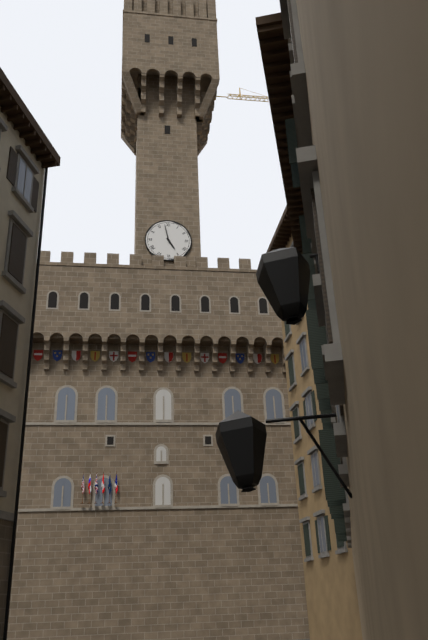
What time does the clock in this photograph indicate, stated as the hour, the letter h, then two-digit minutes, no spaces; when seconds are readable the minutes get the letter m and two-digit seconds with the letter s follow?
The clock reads 4h58
